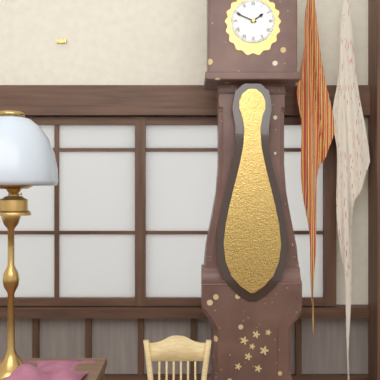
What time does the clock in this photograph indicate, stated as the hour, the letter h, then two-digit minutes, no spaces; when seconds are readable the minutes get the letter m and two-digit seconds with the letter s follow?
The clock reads 1h49
